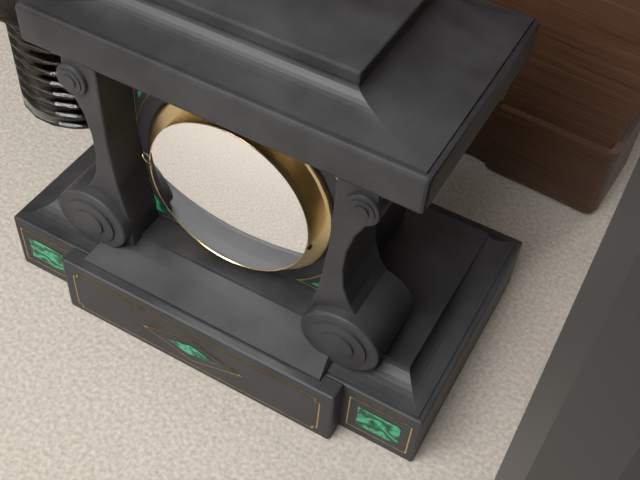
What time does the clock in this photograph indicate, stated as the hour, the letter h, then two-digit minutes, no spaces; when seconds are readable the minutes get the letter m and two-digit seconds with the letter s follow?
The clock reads 1h40
